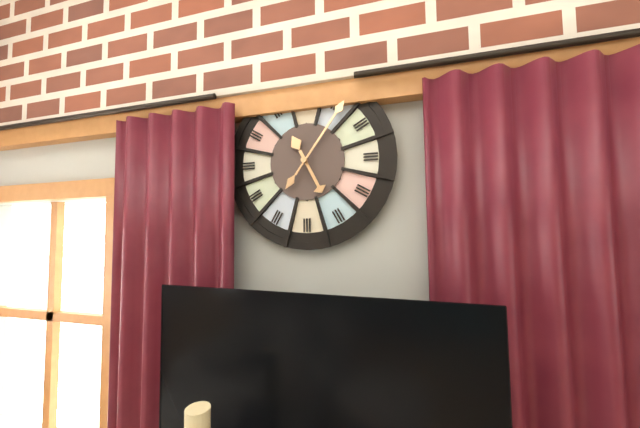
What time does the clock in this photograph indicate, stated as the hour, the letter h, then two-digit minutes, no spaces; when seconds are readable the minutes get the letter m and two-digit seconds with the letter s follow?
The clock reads 5h06
